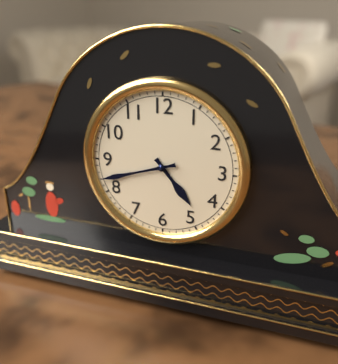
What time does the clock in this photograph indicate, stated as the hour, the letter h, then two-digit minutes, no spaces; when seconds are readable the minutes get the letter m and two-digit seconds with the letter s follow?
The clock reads 4h42
